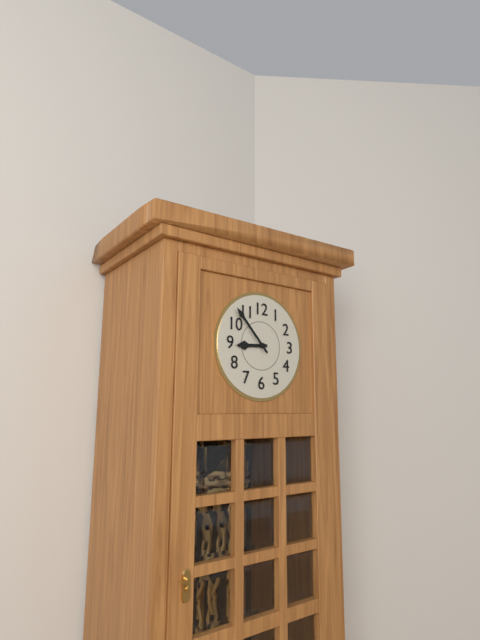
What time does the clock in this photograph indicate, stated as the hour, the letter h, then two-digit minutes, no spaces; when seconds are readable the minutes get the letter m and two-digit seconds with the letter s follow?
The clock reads 8h53
